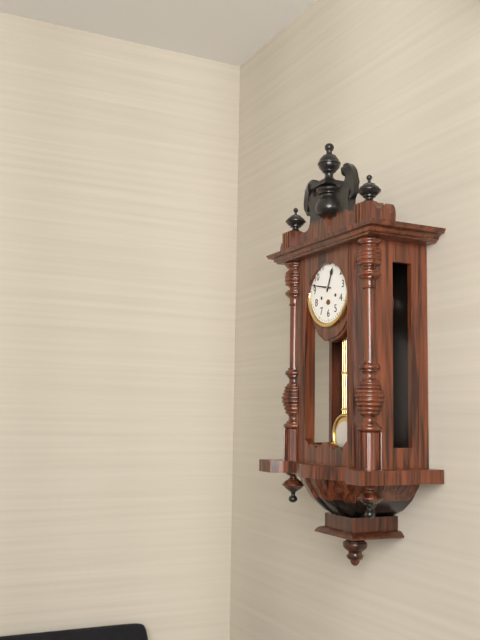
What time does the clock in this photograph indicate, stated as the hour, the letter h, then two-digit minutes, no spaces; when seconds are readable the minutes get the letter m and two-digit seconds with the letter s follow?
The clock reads 12h47
